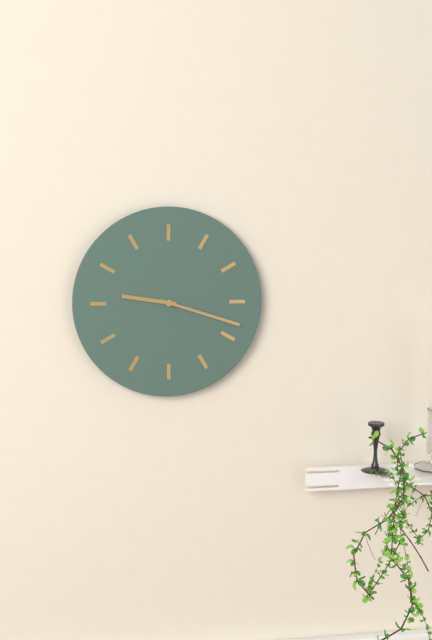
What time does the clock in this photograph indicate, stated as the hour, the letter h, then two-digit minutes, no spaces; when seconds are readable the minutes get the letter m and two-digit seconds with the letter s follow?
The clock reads 9h18
